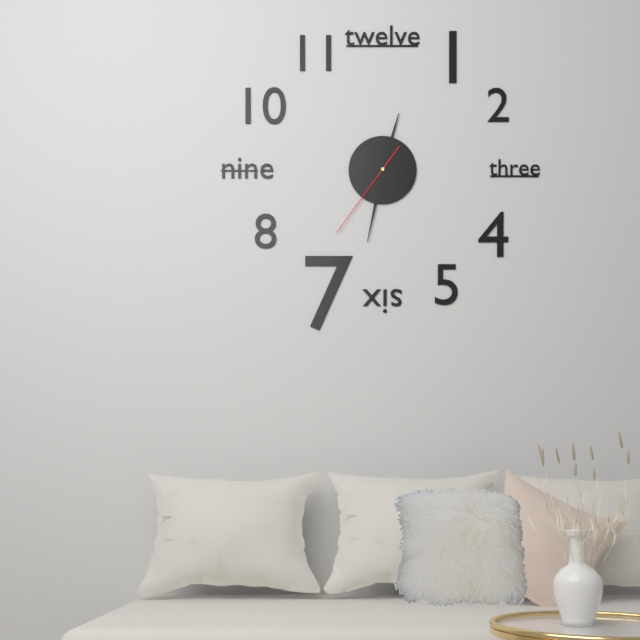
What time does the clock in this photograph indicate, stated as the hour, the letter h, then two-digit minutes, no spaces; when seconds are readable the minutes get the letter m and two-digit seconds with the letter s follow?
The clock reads 12h32m36s
